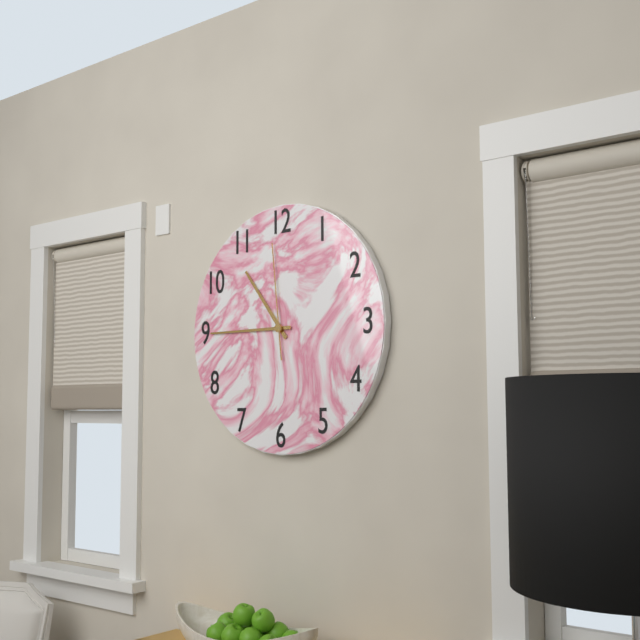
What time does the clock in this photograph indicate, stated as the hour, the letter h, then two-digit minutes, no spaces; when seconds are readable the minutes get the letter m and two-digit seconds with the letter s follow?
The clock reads 10h45m59s
